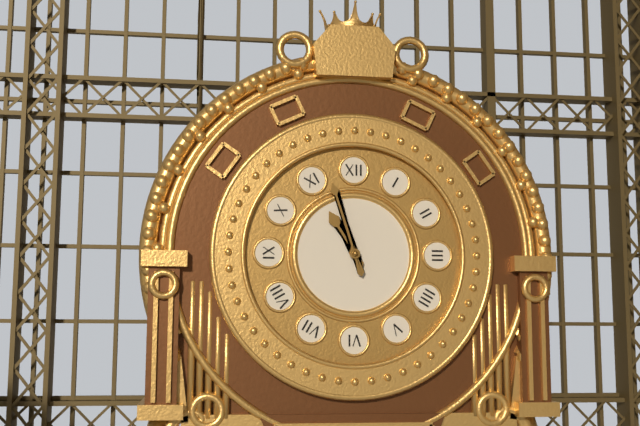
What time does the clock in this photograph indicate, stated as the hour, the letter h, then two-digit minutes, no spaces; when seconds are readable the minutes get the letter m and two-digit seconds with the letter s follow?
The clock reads 10h57
